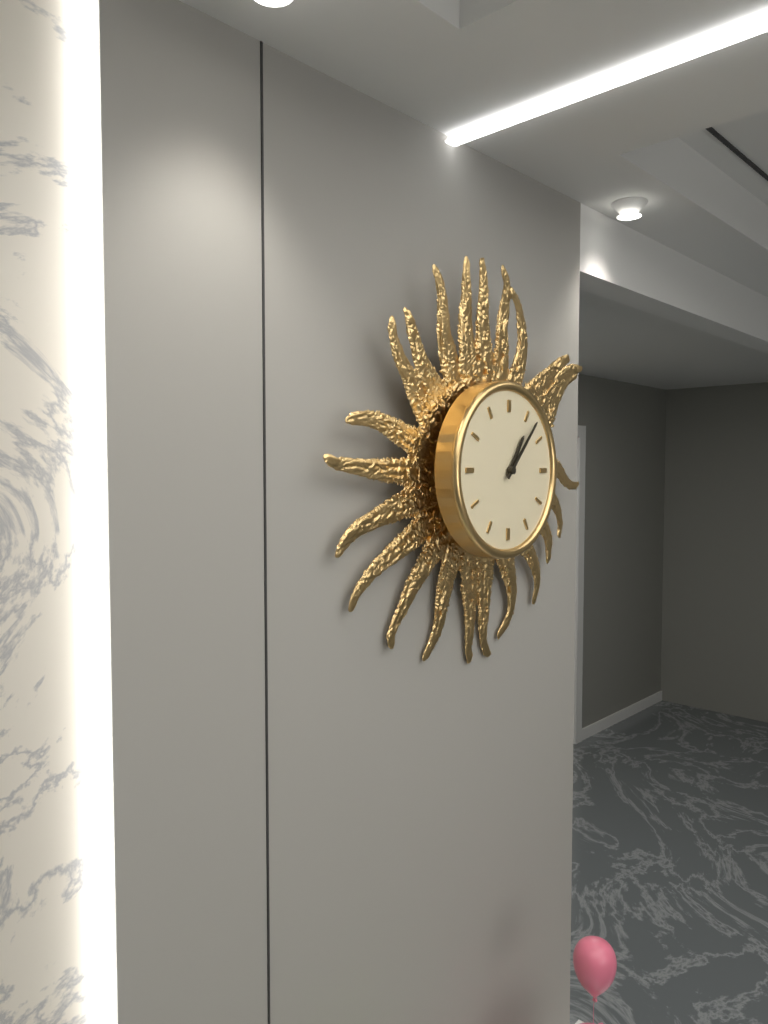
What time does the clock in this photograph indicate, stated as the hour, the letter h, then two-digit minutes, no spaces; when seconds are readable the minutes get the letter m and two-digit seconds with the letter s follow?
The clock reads 1h07
